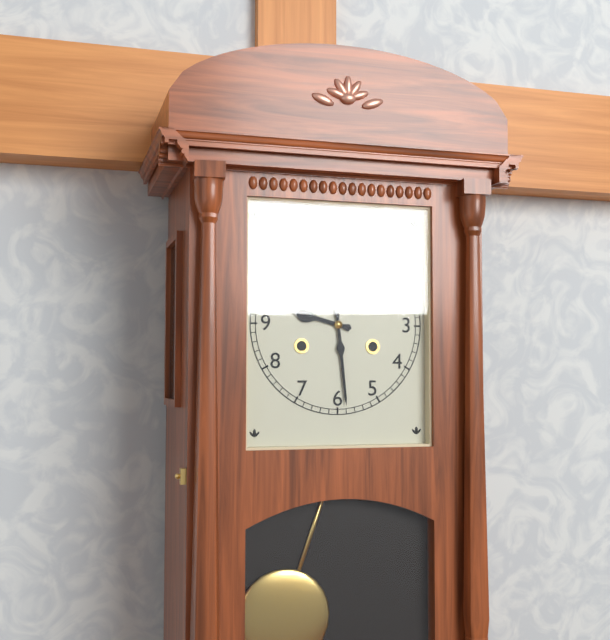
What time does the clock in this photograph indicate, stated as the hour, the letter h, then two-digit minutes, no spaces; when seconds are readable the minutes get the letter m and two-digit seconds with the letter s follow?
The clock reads 9h29
